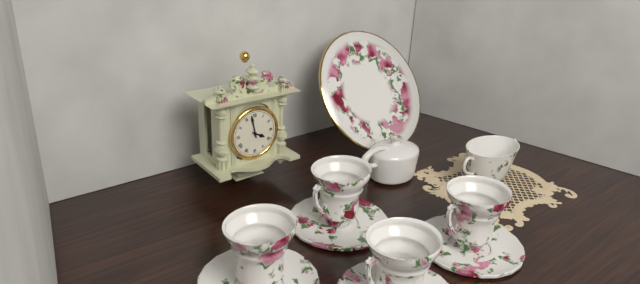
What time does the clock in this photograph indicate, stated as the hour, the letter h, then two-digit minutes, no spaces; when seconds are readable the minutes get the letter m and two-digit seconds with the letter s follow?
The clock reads 3h58
